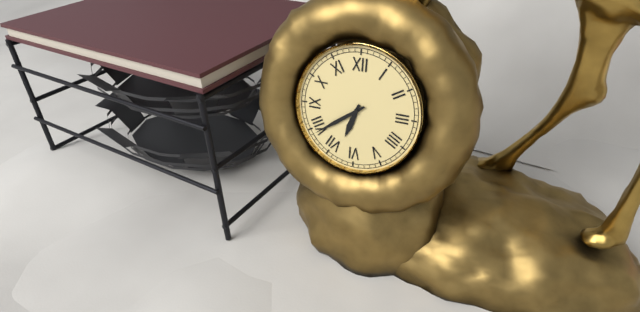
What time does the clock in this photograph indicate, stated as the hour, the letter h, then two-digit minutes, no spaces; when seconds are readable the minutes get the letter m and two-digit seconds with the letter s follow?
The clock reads 6h39
